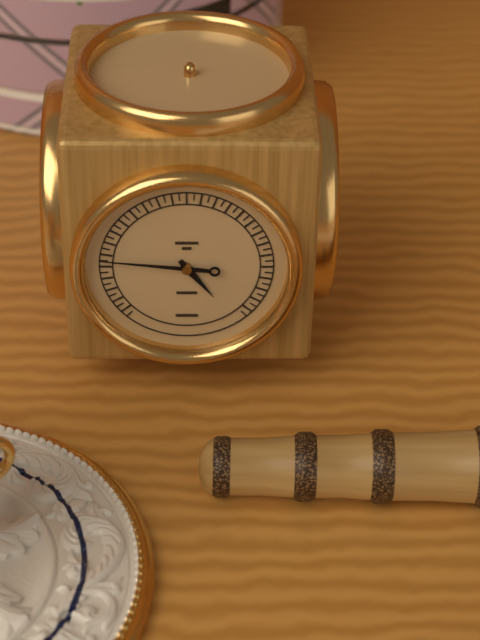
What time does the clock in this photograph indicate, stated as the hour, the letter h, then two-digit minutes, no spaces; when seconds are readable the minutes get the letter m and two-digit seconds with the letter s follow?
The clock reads 4h46
